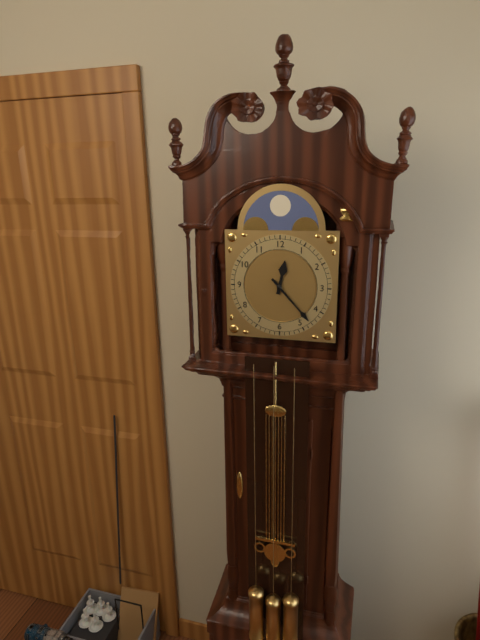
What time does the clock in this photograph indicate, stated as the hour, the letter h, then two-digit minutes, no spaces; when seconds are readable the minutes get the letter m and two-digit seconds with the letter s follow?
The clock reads 12h23
